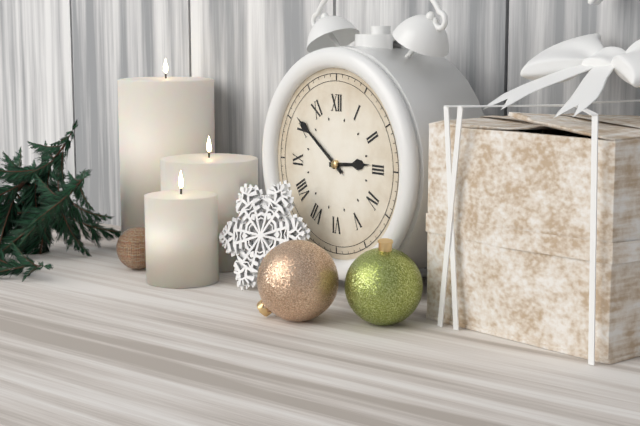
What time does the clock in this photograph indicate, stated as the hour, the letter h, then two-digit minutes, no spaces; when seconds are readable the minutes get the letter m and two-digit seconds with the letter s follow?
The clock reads 2h51
